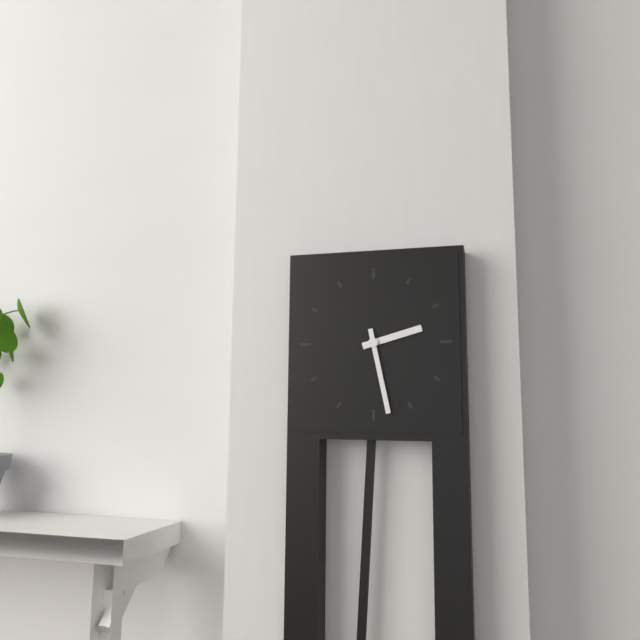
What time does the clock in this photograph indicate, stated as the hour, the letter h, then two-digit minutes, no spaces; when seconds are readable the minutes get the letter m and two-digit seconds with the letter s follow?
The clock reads 2h28
